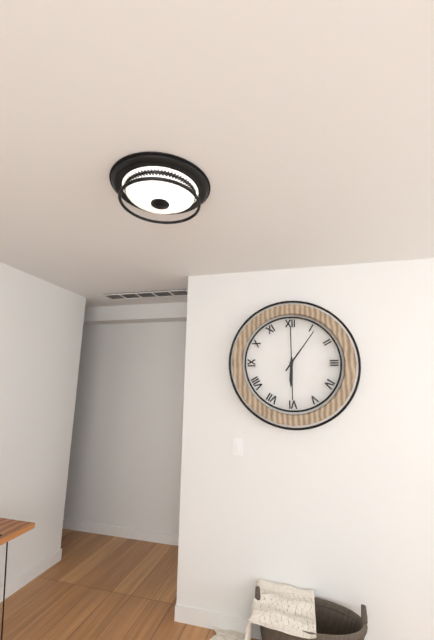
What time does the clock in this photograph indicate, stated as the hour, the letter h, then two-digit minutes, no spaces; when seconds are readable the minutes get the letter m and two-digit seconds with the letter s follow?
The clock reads 6h06
